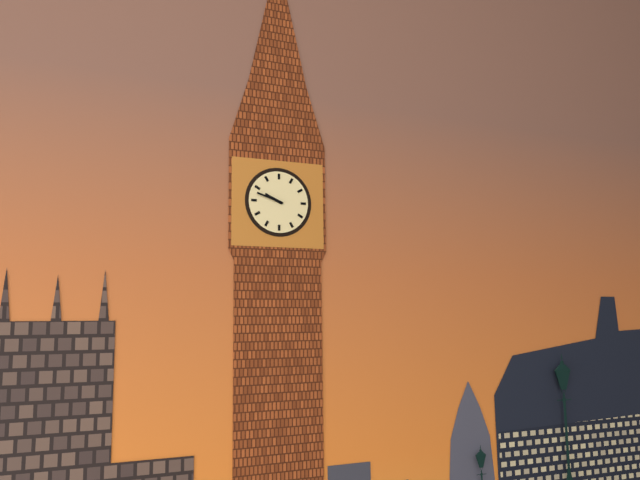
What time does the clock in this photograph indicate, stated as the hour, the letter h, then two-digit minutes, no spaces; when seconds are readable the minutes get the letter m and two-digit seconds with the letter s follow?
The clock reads 9h48
